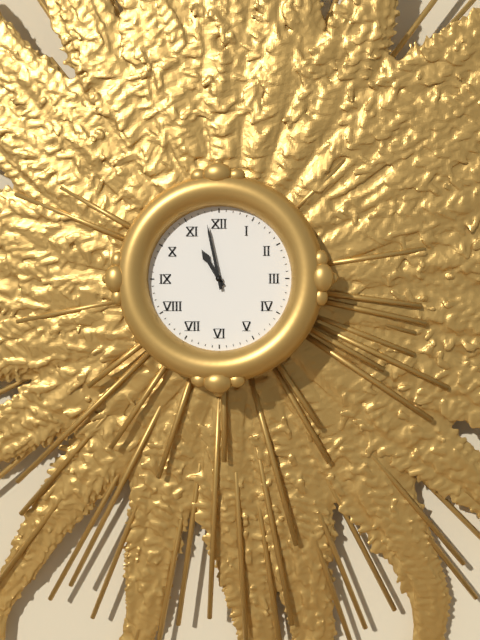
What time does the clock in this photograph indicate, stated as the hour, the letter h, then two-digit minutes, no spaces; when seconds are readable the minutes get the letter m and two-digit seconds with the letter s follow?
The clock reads 10h58
